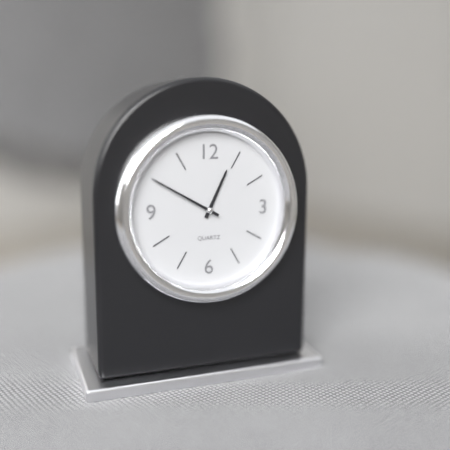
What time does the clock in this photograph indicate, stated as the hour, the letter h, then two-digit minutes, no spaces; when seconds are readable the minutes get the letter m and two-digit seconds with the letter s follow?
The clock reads 12h50
